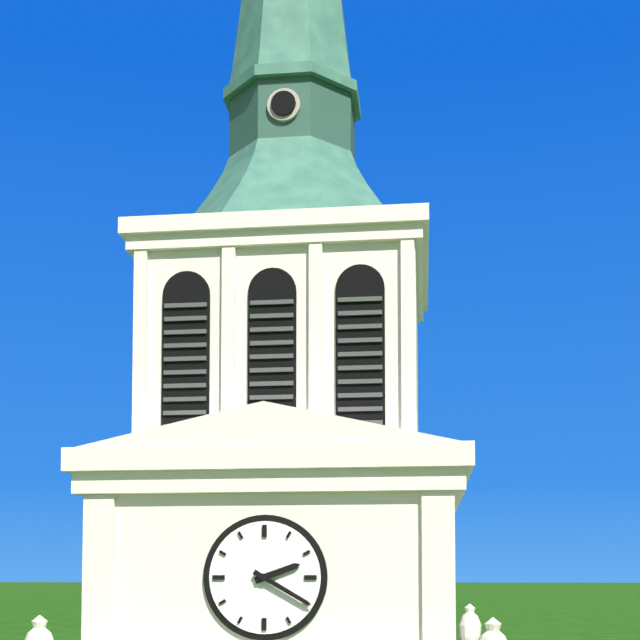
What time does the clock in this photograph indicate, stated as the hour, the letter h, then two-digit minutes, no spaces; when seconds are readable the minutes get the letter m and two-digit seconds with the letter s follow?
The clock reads 2h20
